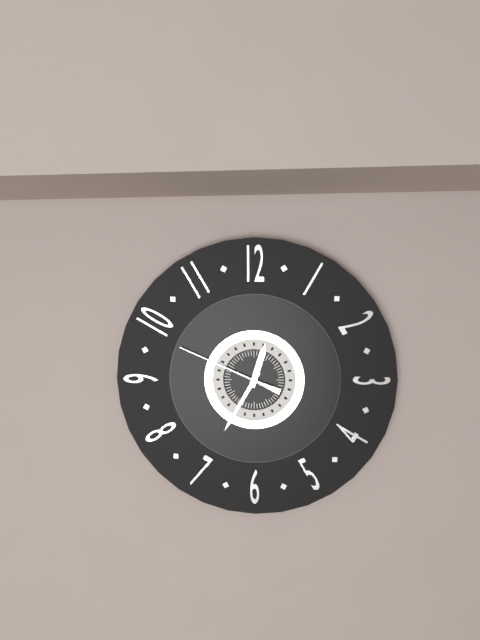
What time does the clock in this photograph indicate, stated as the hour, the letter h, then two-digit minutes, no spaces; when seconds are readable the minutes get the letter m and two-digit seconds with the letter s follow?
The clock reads 12h35m49s
